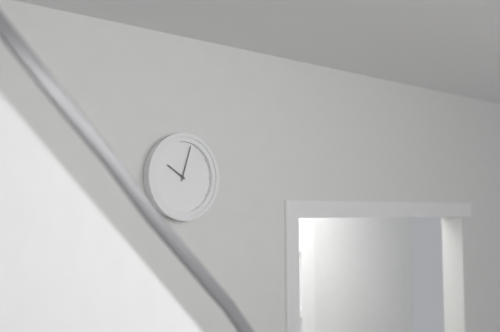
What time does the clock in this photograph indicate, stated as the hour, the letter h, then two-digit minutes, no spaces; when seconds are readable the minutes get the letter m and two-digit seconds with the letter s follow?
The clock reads 10h03
